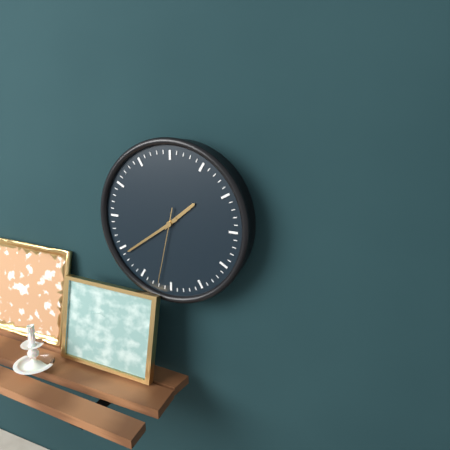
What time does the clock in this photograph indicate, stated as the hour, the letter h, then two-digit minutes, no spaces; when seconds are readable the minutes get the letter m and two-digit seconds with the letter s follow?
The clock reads 1h39m32s
